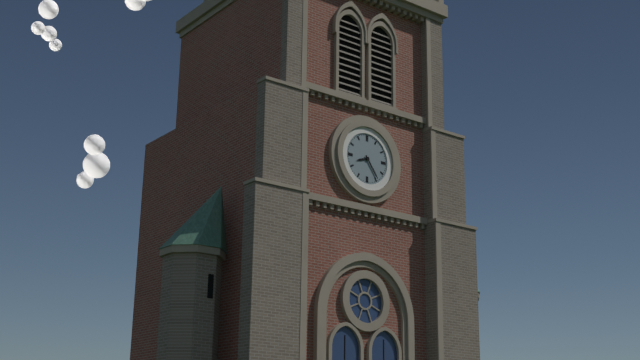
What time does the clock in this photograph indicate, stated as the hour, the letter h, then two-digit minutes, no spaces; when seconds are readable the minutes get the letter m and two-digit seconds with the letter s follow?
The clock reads 8h24
